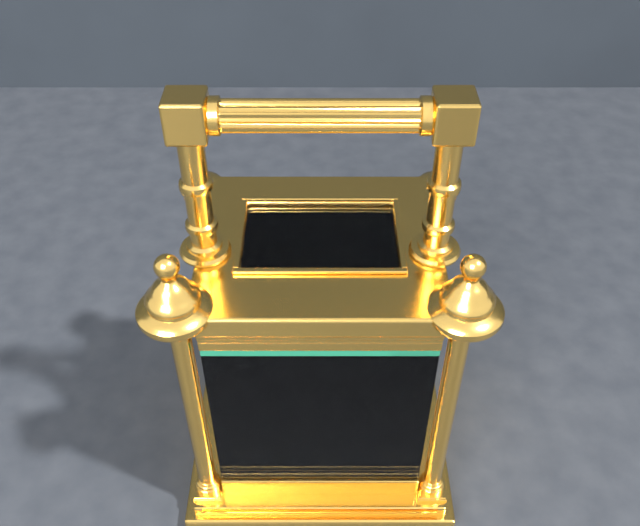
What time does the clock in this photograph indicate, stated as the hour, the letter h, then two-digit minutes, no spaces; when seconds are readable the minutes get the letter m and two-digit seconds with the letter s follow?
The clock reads 8h05
